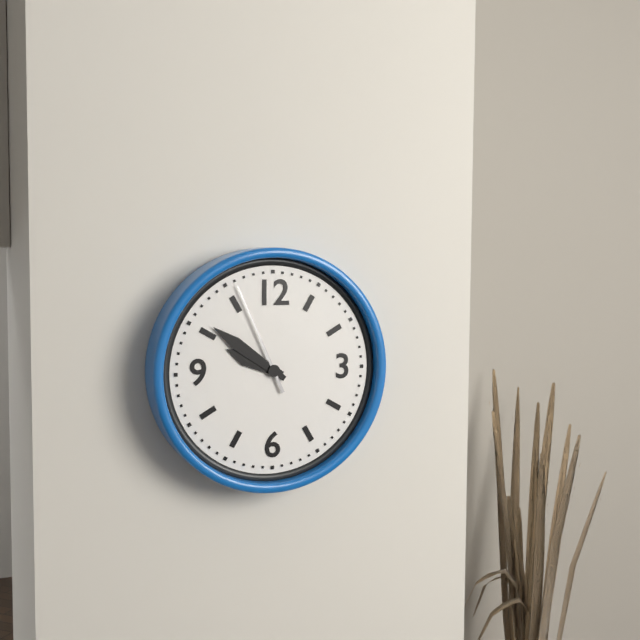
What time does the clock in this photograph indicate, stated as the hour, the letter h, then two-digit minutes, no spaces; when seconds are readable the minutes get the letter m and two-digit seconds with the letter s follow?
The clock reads 9h51m56s
